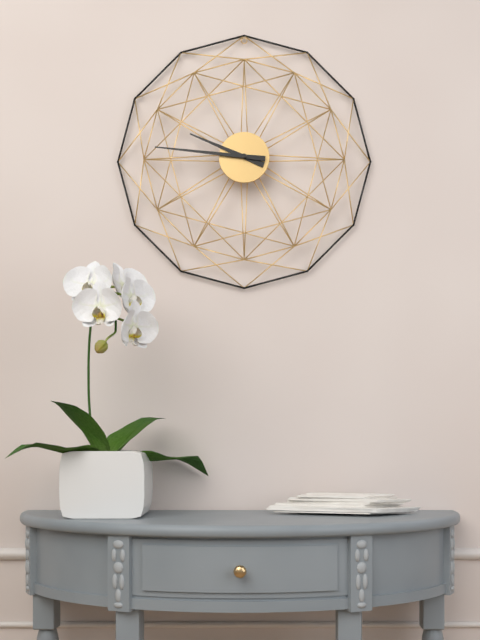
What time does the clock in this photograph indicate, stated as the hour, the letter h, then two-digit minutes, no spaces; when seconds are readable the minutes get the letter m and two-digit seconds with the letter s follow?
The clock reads 9h46
